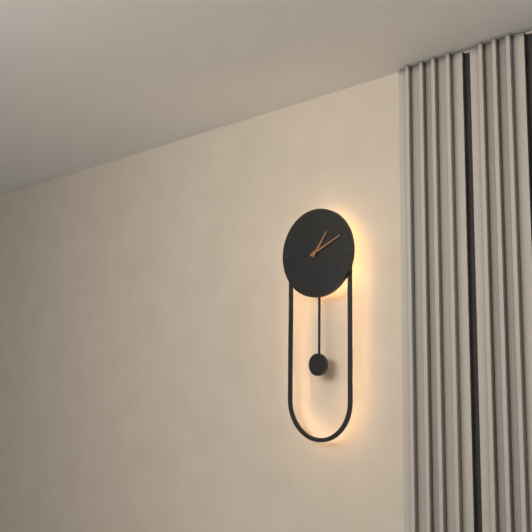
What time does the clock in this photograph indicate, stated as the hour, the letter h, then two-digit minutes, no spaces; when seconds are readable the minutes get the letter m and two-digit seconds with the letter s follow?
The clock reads 1h11
